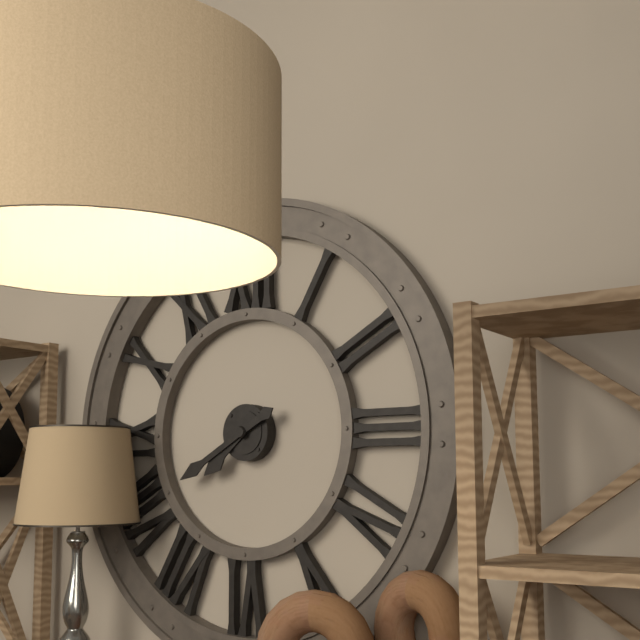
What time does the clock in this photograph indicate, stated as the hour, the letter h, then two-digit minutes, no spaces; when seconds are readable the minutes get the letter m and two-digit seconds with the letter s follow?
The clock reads 7h40
